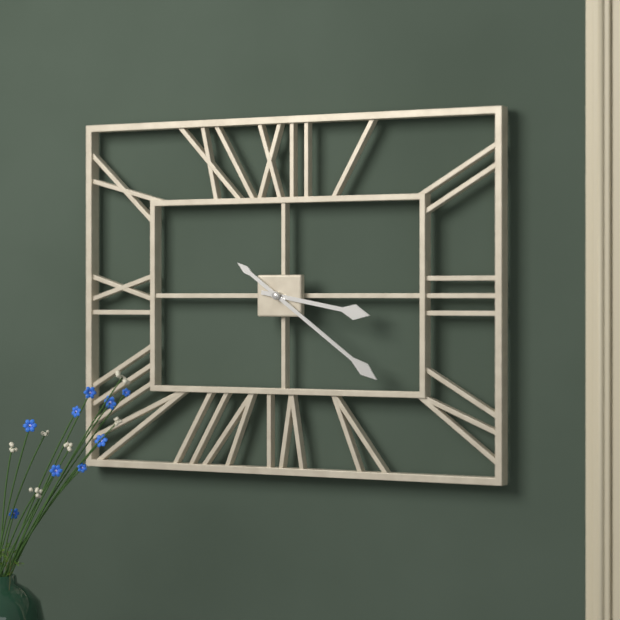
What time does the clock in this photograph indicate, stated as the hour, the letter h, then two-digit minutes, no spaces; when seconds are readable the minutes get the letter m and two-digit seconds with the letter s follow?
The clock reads 3h21
